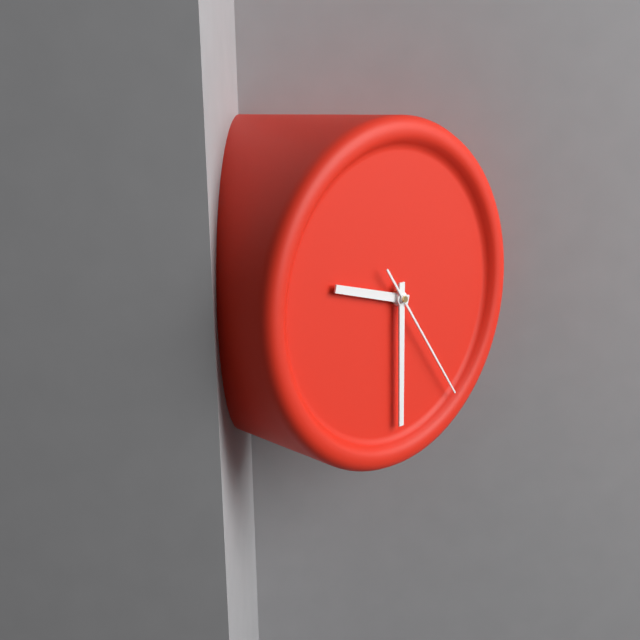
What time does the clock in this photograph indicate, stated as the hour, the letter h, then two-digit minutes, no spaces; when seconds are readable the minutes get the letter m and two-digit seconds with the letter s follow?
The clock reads 9h30m24s
